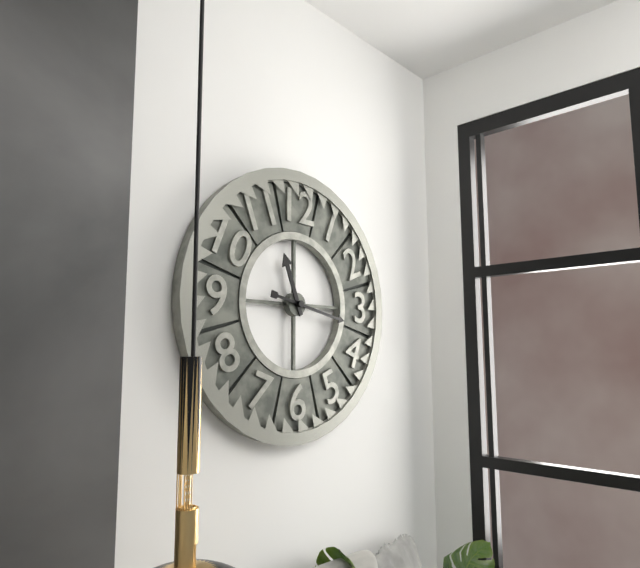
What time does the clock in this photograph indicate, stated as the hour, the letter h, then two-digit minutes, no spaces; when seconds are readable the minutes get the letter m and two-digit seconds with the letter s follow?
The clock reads 11h17
